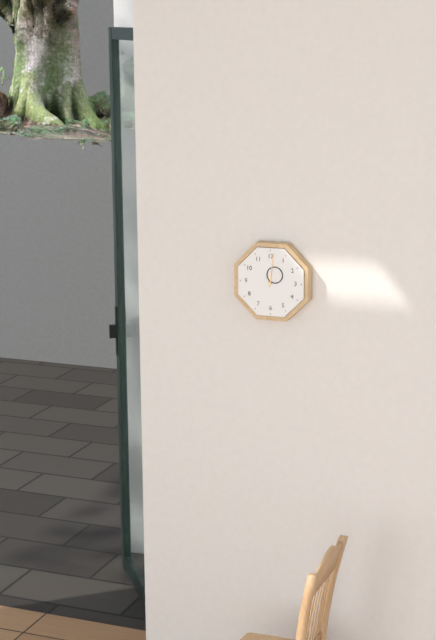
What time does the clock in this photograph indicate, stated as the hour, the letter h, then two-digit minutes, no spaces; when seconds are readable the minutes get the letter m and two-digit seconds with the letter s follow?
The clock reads 1h01
